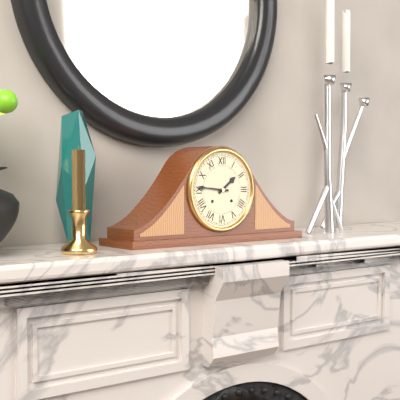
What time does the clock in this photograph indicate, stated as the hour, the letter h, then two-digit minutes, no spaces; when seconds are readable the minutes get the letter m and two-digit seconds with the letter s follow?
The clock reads 1h46
